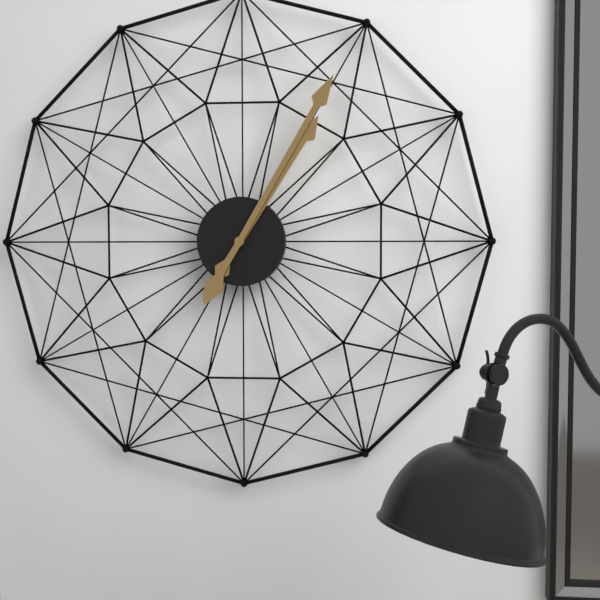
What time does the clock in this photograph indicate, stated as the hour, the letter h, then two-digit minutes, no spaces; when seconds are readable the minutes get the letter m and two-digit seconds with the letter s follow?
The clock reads 1h05
